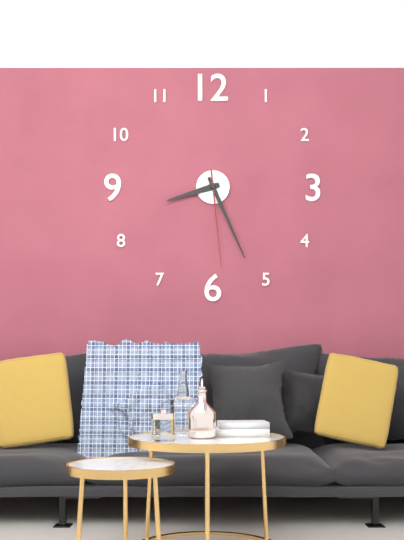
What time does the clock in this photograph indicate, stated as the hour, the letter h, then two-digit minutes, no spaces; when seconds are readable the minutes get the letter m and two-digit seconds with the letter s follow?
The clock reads 8h26m29s
